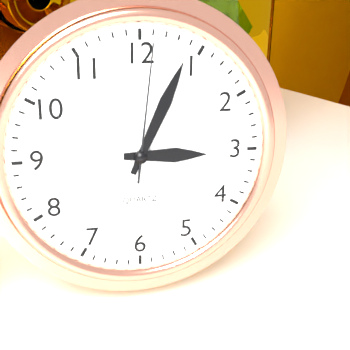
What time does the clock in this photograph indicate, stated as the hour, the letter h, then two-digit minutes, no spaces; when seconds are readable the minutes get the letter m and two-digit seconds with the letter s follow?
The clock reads 3h04m01s
